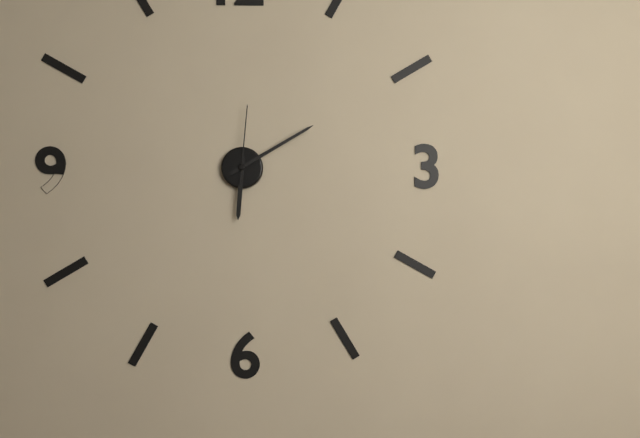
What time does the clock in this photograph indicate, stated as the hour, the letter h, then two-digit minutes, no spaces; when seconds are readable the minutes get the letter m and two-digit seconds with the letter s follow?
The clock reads 6h10m01s
